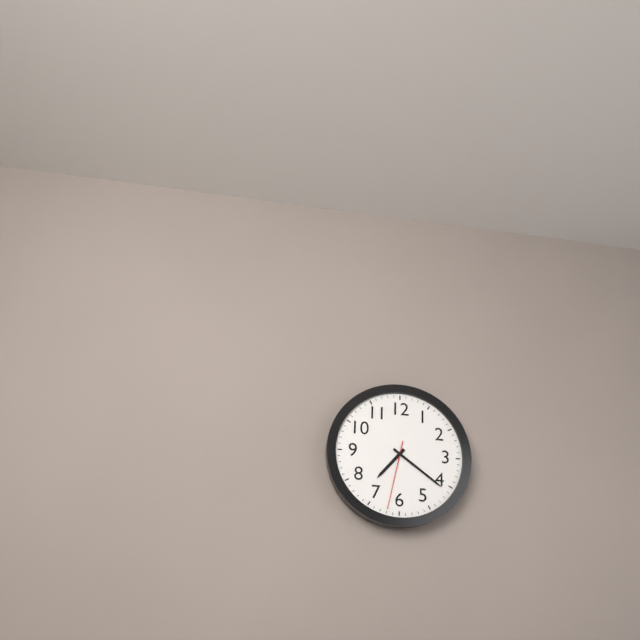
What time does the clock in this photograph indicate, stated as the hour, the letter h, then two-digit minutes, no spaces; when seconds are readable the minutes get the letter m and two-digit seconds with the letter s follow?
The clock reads 7h21m32s
